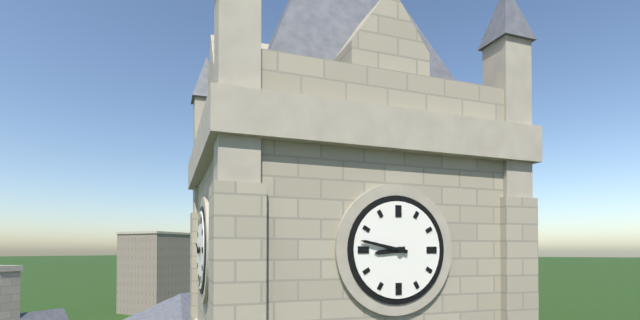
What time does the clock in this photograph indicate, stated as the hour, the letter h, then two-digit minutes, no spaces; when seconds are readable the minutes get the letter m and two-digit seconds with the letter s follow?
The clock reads 8h47
